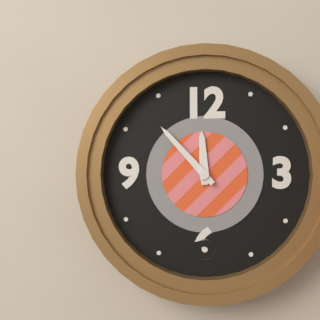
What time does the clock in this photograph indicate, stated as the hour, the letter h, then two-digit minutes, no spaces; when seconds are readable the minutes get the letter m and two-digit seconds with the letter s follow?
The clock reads 11h53
